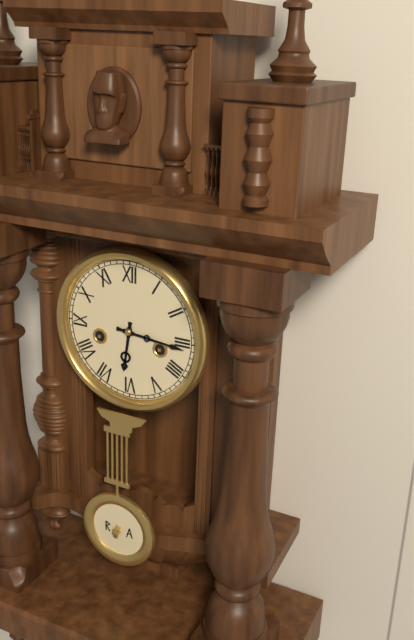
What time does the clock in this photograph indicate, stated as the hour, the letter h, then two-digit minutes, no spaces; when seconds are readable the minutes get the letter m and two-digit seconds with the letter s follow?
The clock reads 6h16
